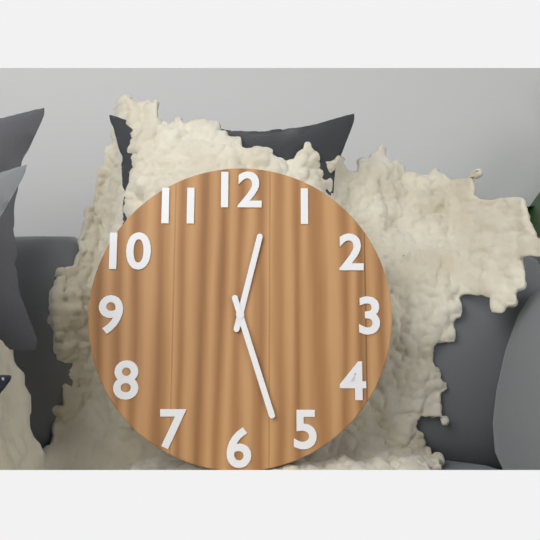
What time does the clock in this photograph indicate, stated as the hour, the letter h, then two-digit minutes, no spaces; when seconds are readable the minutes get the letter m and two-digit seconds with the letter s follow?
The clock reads 12h27
